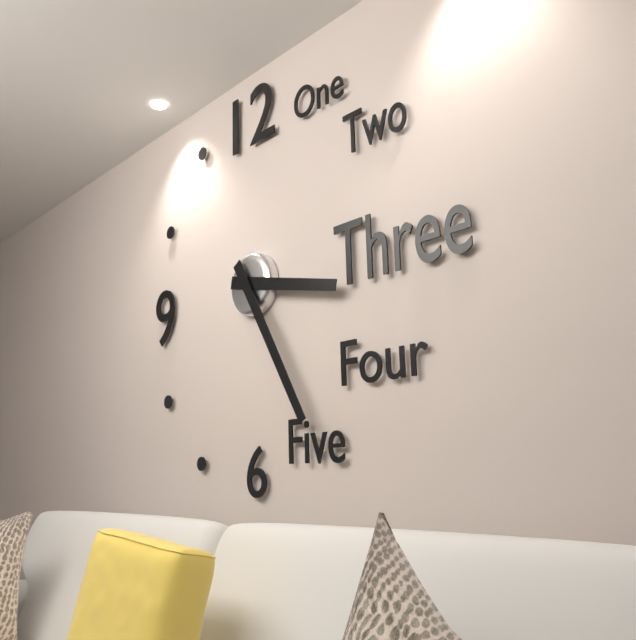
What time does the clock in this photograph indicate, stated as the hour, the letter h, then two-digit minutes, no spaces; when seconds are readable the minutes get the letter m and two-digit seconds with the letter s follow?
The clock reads 3h25
